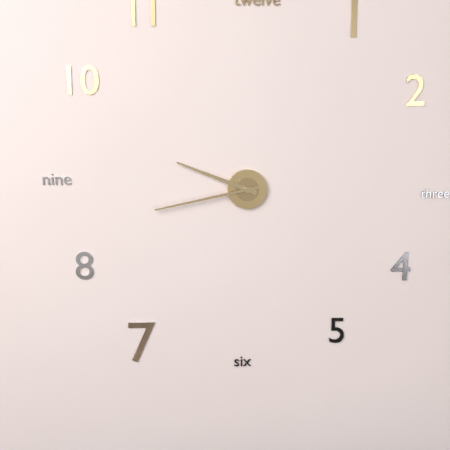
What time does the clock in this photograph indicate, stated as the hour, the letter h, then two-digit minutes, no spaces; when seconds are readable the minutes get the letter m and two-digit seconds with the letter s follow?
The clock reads 9h43
